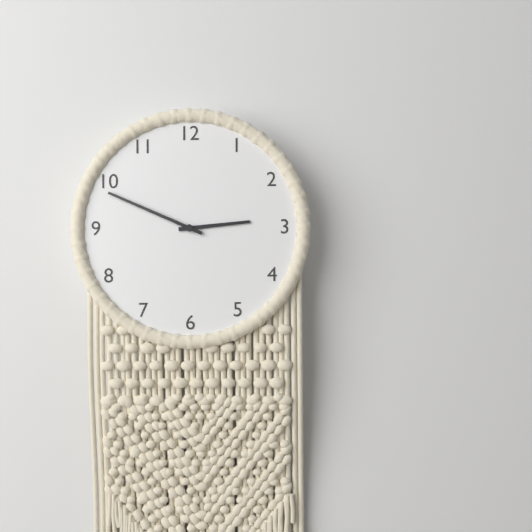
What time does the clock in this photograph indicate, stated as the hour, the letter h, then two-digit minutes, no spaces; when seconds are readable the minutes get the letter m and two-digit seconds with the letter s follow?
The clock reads 2h49
